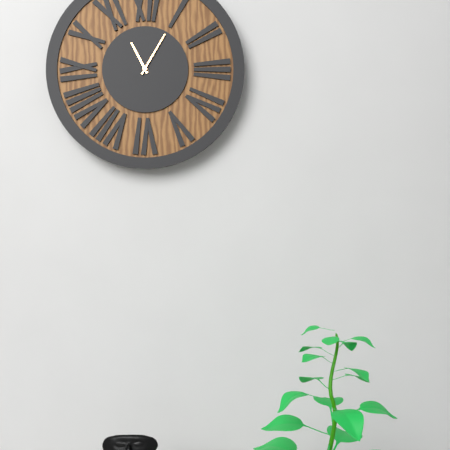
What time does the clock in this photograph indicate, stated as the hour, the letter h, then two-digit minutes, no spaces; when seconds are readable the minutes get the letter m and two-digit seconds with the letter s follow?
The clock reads 11h05
